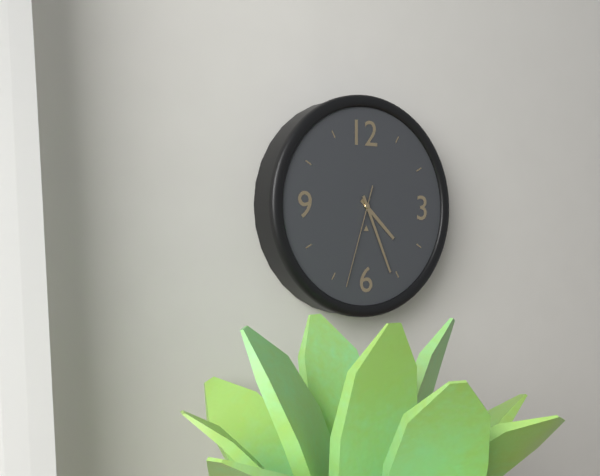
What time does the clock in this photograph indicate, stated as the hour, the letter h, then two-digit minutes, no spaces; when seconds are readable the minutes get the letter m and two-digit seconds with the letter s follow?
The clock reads 4h26m33s
